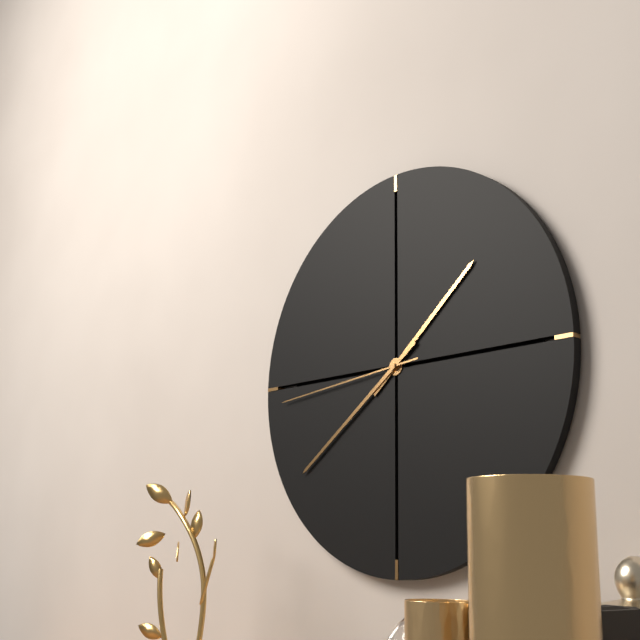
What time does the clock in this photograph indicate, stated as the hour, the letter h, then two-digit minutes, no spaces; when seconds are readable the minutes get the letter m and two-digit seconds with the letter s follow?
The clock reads 1h39m44s
